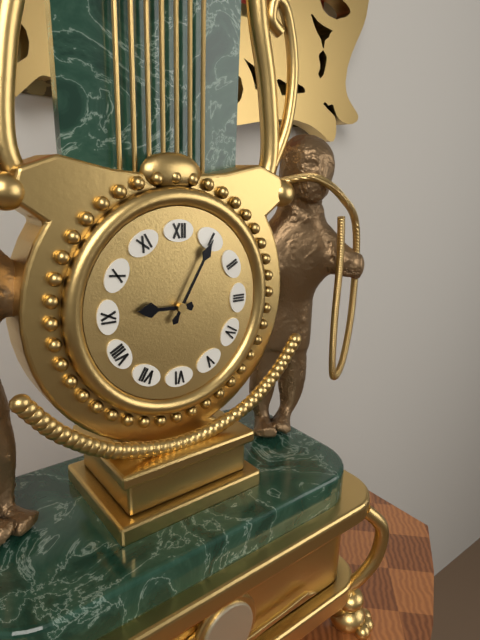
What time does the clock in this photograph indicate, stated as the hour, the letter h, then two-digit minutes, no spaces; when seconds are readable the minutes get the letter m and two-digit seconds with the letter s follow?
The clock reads 9h05
